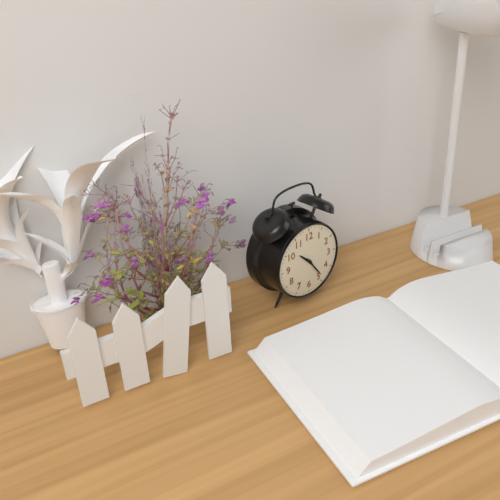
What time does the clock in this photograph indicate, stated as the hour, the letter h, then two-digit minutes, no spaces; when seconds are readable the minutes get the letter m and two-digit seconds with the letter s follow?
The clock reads 10h24
